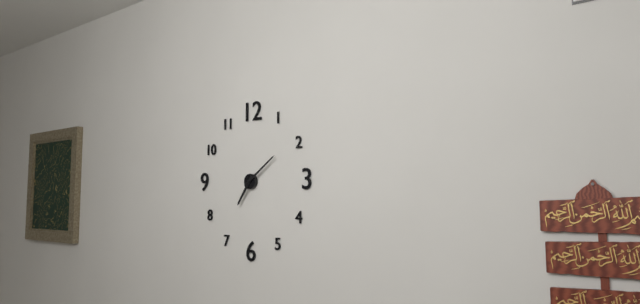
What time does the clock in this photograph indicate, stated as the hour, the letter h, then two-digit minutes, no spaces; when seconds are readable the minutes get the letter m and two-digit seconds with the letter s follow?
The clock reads 7h09
